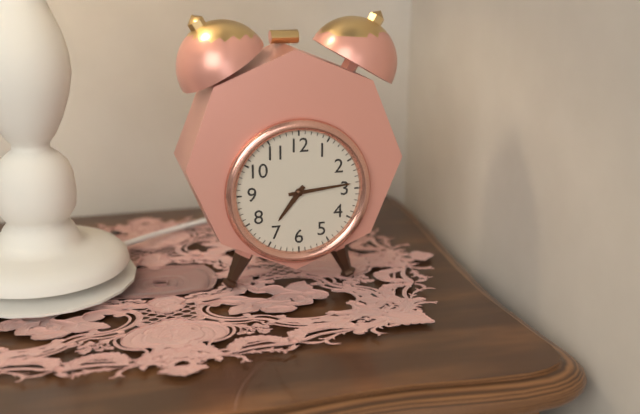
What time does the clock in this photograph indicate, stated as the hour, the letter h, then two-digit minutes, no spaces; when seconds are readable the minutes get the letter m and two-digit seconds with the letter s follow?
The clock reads 7h14
